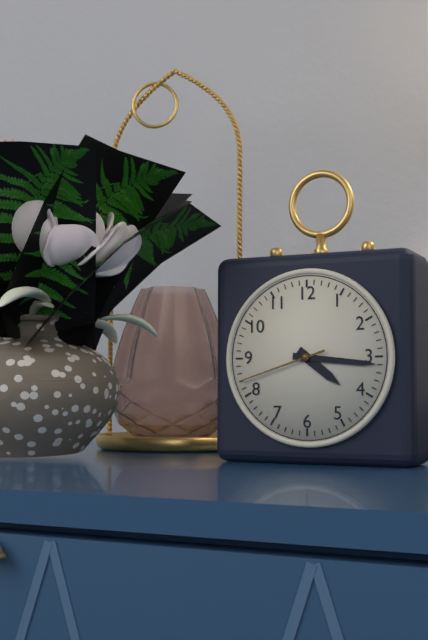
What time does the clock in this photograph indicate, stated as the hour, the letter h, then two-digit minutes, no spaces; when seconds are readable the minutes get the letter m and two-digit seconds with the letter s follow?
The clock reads 4h16m42s
